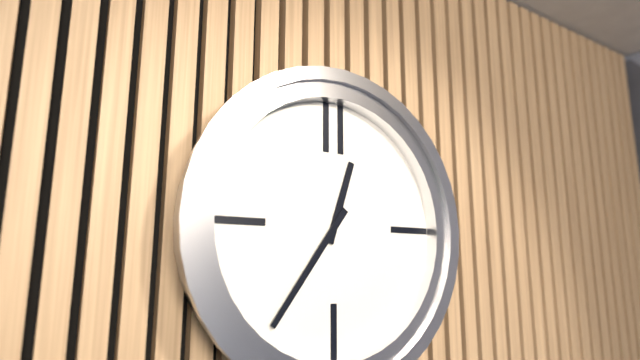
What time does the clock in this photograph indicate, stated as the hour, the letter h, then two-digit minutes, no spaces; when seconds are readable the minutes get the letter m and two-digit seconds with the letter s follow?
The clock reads 12h36
